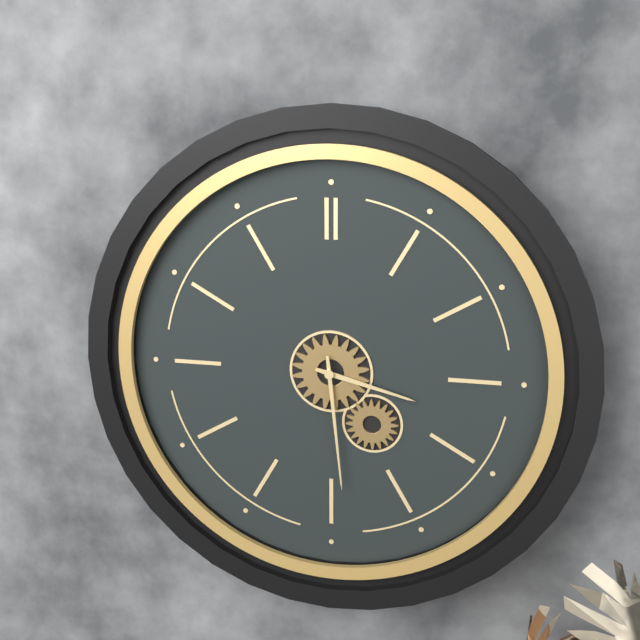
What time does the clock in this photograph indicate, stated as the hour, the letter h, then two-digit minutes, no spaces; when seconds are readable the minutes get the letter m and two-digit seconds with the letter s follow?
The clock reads 3h29
